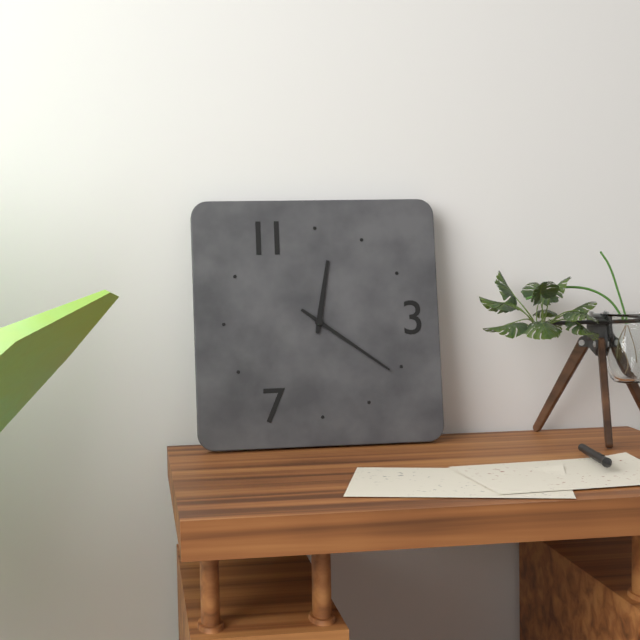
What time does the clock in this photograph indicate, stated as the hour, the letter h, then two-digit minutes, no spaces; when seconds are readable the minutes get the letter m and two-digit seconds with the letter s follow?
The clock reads 12h21
